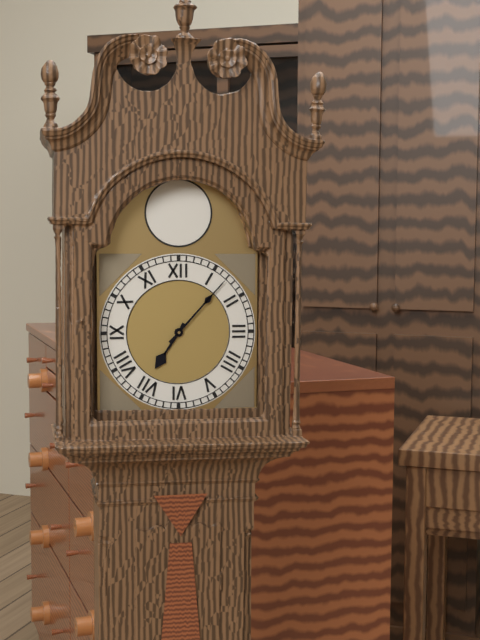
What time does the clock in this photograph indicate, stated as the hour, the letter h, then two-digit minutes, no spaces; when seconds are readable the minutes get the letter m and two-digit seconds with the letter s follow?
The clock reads 7h07
